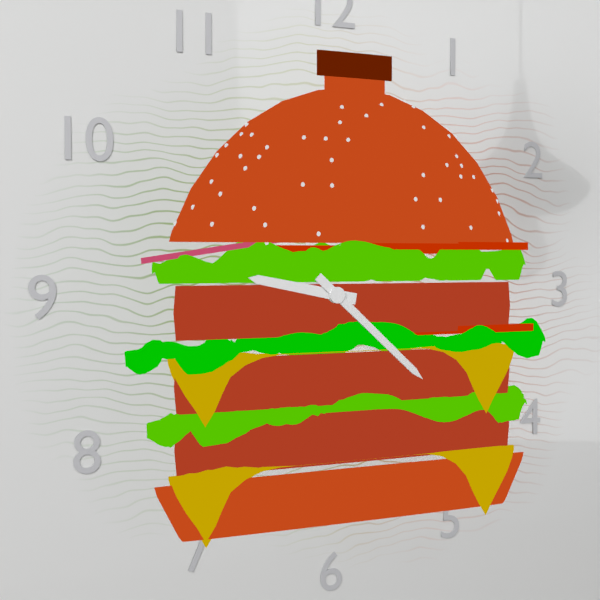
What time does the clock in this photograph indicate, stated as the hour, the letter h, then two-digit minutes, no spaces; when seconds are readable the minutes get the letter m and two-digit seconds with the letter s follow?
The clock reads 9h22
